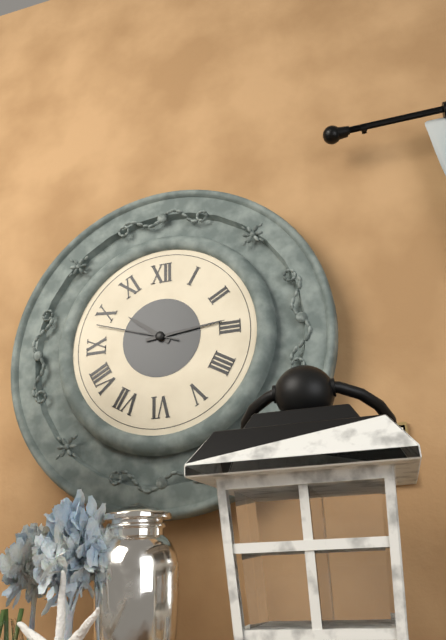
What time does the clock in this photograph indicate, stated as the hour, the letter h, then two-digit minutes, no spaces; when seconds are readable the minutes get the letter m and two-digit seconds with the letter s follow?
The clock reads 10h14m48s
